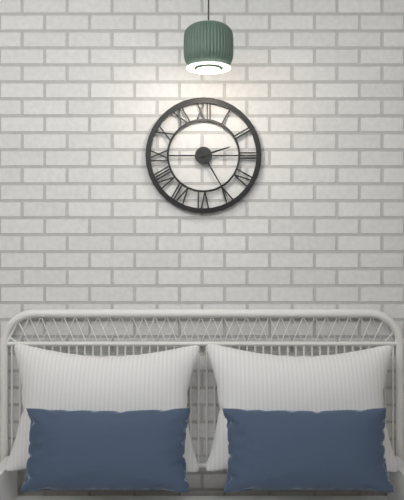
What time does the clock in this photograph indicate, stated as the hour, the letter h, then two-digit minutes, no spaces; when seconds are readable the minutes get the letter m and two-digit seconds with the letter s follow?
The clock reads 2h25
